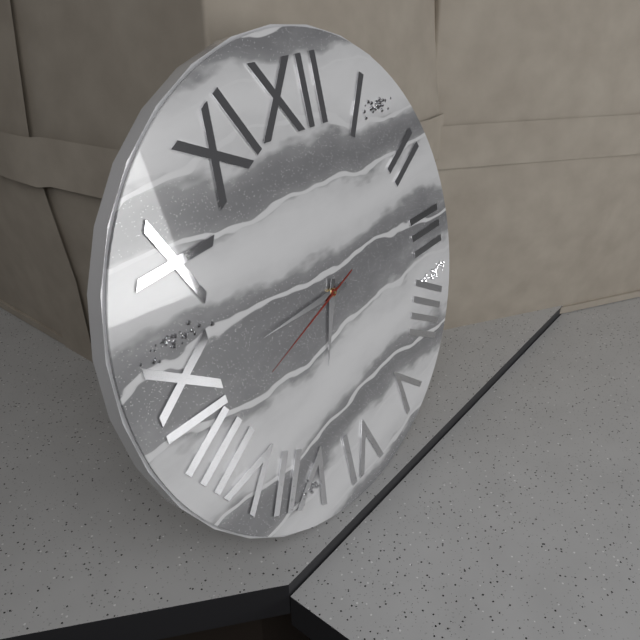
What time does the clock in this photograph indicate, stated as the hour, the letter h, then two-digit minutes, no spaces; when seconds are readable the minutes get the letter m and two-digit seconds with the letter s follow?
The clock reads 6h45m42s
